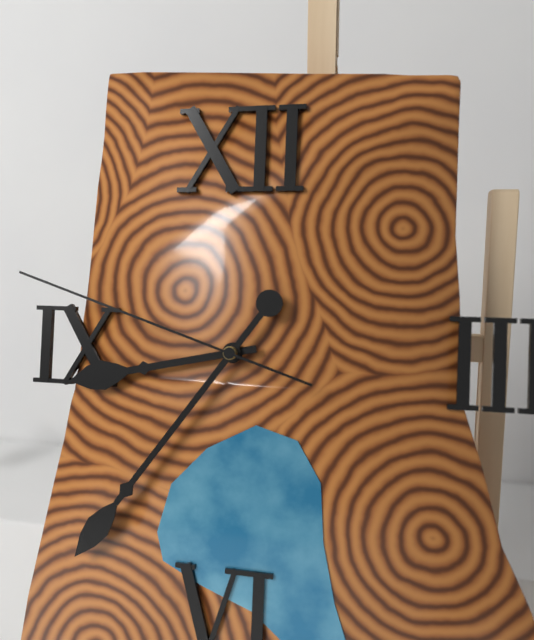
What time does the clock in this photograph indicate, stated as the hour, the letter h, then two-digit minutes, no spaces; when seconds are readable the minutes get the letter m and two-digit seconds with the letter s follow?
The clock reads 8h36m48s
